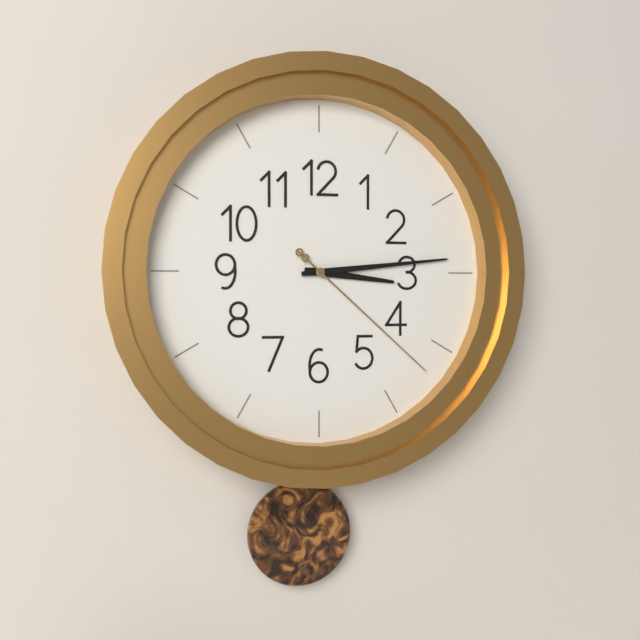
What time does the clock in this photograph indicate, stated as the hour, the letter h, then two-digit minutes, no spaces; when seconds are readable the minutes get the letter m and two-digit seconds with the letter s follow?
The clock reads 3h14m22s
